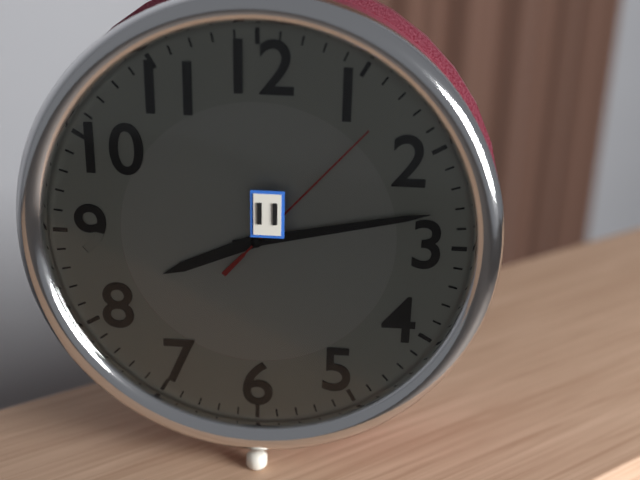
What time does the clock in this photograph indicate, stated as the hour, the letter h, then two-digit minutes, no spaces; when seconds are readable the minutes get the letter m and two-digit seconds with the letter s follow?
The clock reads 8h13m07s
